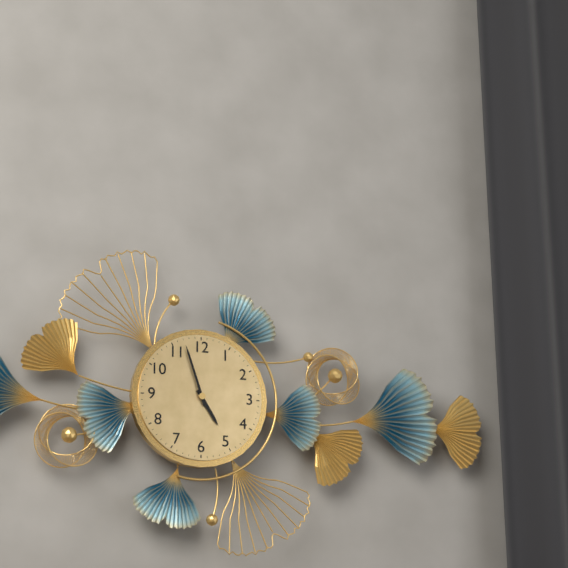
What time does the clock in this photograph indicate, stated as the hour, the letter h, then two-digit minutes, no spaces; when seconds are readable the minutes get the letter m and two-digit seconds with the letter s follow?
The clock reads 4h57
